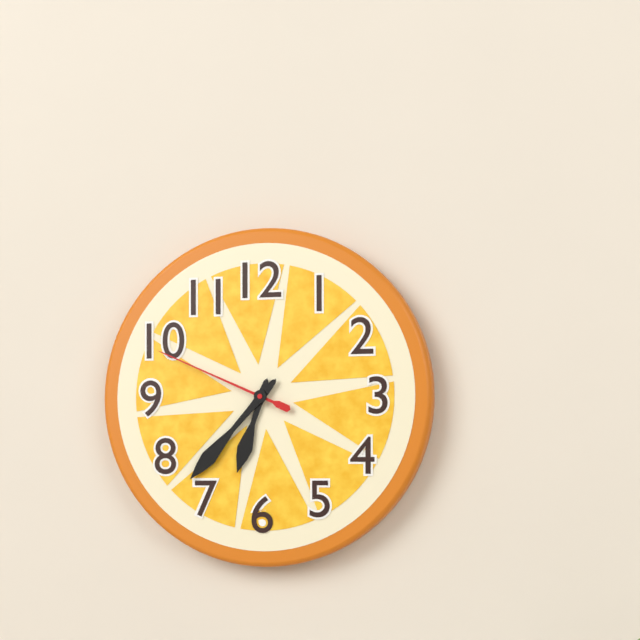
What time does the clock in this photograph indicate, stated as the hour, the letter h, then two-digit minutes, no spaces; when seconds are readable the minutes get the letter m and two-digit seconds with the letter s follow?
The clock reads 6h37m49s
